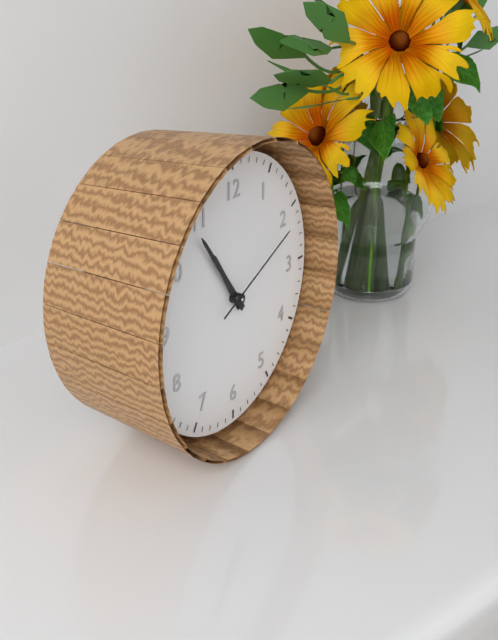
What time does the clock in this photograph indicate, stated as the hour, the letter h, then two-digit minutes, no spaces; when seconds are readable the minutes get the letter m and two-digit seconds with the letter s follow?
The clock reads 10h54m11s
